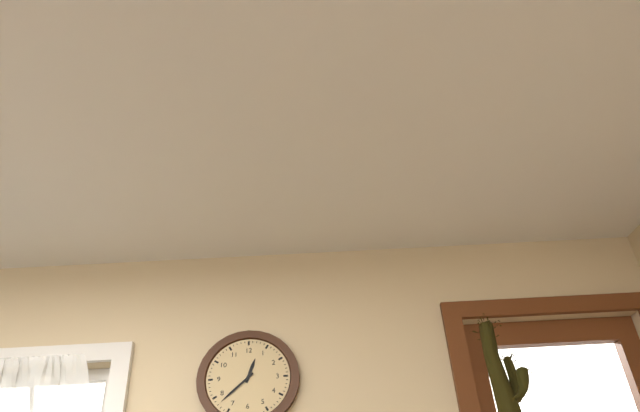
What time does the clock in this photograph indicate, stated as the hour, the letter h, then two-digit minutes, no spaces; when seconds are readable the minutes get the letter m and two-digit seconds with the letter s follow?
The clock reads 12h38
